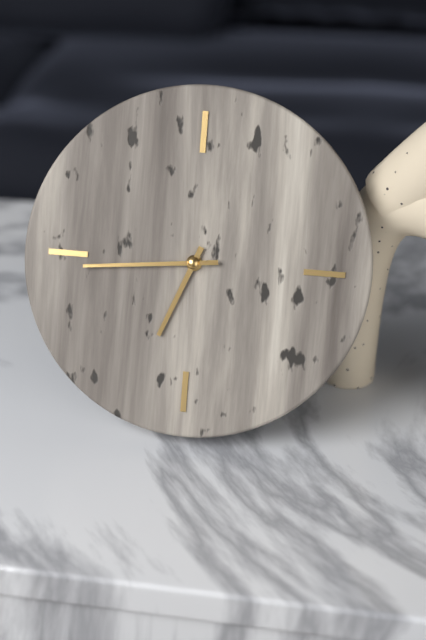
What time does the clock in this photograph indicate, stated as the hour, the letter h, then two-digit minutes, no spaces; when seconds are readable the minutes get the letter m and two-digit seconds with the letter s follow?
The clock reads 6h44
